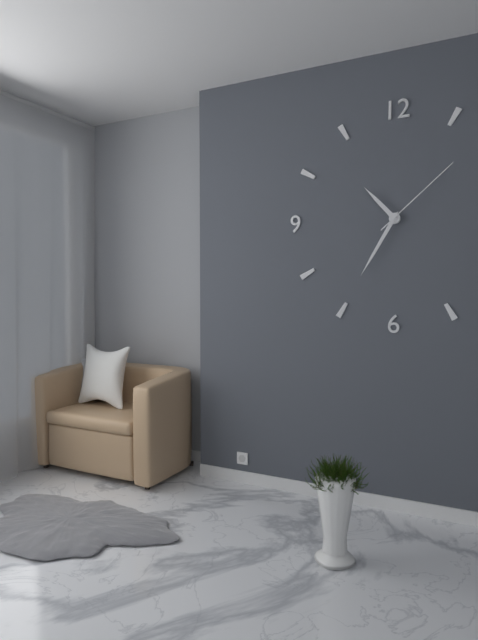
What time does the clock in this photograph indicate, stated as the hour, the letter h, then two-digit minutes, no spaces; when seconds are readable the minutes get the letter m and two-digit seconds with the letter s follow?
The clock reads 10h35m08s
